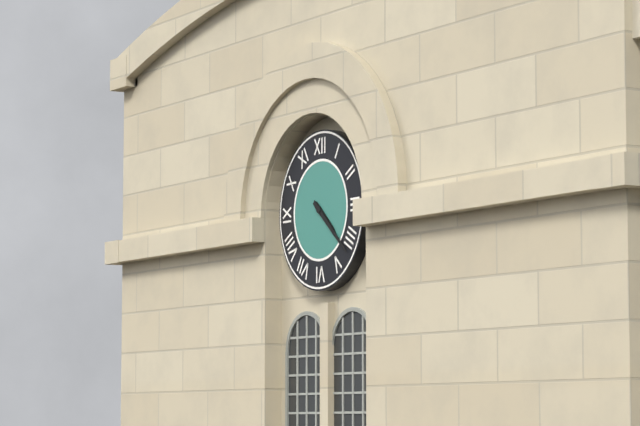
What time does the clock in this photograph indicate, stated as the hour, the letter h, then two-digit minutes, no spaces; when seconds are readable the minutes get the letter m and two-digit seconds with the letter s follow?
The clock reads 4h22
